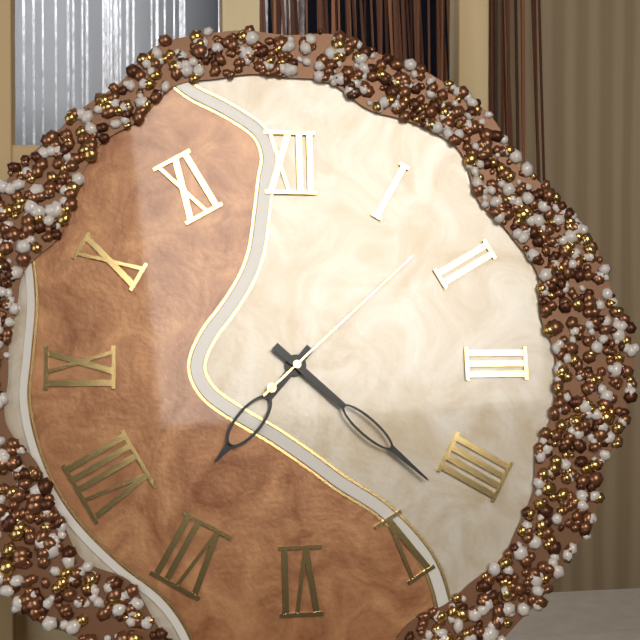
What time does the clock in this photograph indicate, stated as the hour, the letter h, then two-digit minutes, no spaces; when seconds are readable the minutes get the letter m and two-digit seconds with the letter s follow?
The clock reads 7h22m08s
